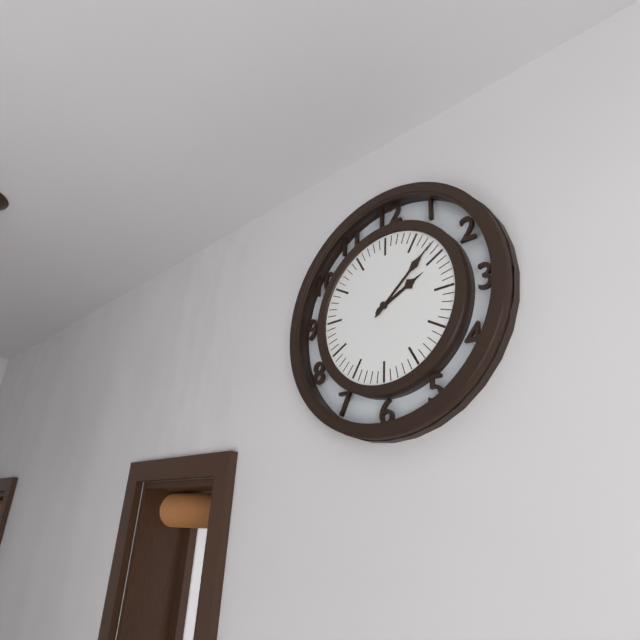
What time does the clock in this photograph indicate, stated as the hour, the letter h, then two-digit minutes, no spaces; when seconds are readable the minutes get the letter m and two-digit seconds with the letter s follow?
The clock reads 2h08
